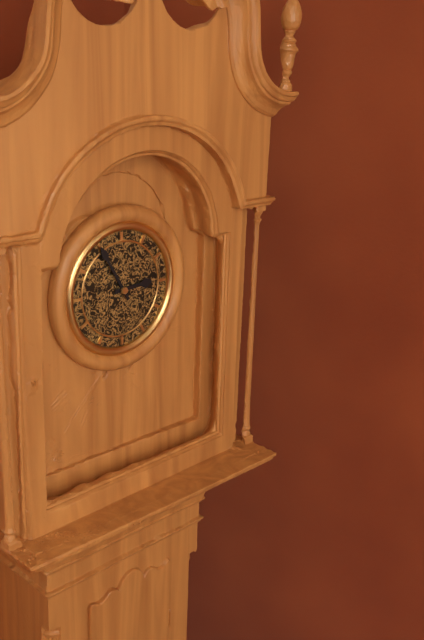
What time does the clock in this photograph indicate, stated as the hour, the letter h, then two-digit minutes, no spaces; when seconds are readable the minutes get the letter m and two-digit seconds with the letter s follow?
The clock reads 2h55
